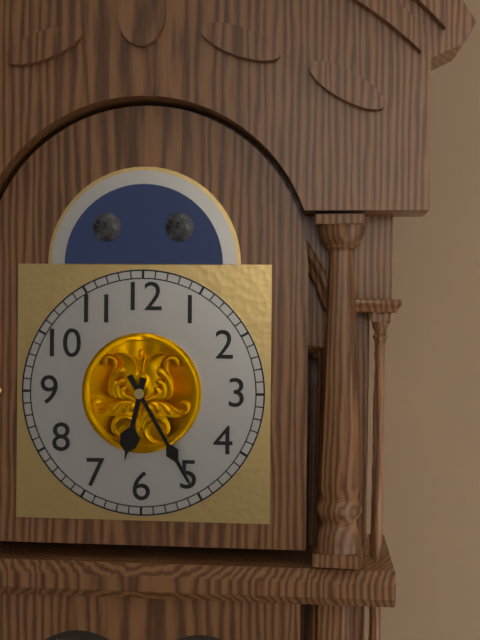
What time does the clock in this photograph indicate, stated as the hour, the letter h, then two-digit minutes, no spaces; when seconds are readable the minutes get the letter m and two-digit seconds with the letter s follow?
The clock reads 6h25
